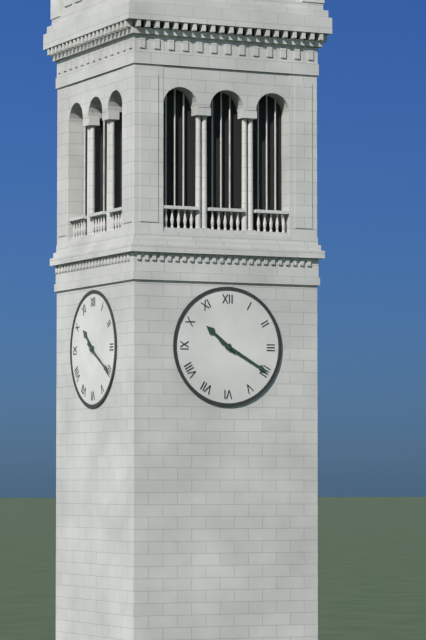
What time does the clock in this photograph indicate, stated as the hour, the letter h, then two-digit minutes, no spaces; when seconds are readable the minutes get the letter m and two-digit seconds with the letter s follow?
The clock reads 10h20
